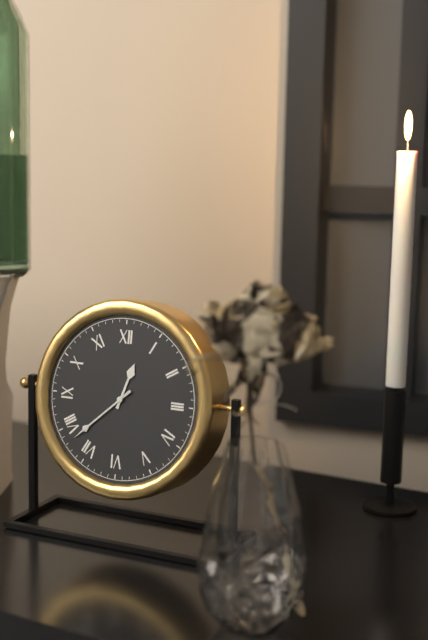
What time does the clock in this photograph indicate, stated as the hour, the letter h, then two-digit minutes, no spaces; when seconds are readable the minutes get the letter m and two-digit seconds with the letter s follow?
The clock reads 12h38
